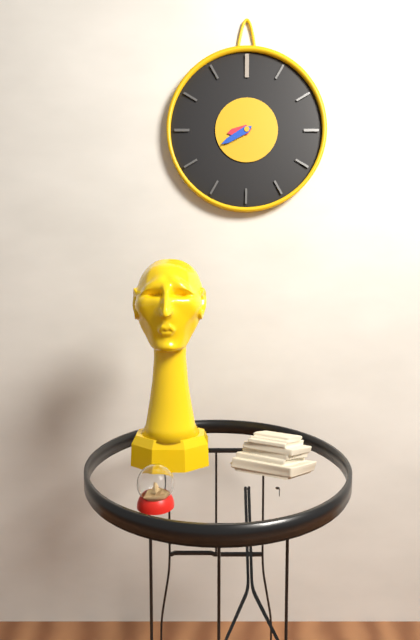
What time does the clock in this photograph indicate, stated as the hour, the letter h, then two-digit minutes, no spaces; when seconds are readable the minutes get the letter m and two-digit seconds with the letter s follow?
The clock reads 8h40
